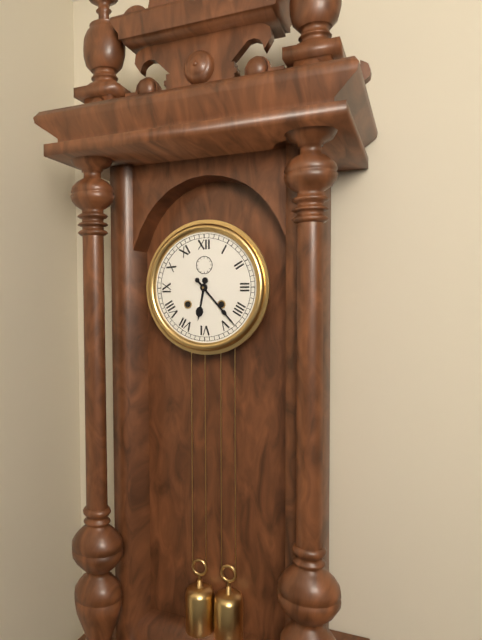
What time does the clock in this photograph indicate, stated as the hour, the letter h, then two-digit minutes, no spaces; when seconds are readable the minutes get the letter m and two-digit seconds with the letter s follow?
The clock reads 6h23
